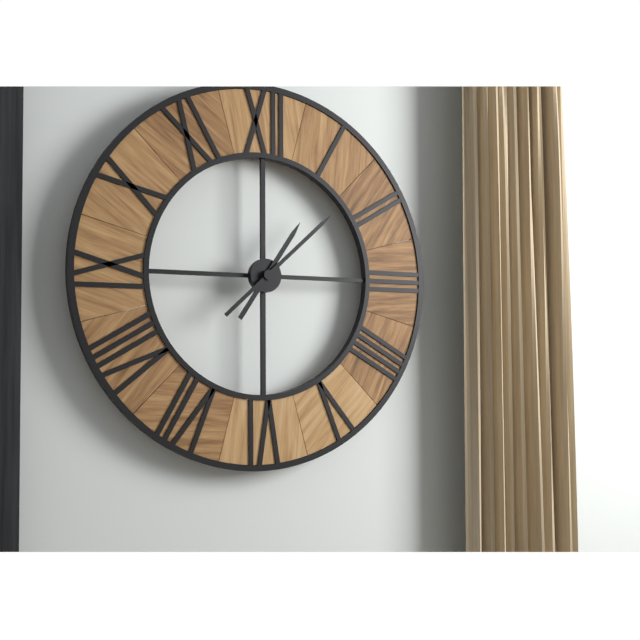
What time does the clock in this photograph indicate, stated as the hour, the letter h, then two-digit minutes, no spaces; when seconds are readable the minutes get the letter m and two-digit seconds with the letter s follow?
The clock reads 1h08
